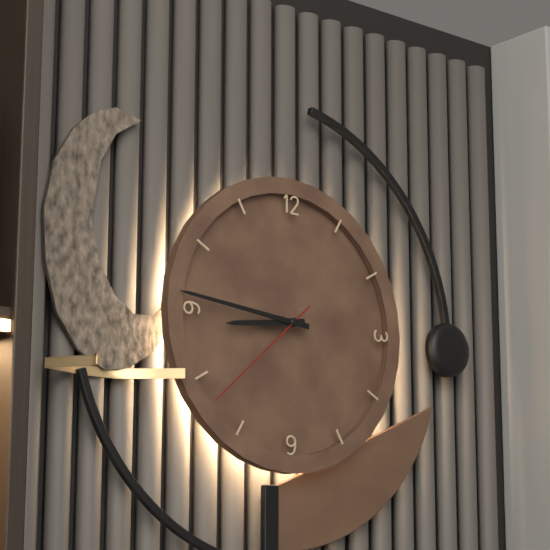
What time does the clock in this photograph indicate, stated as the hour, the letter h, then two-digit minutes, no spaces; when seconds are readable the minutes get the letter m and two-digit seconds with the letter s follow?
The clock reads 8h46m38s
